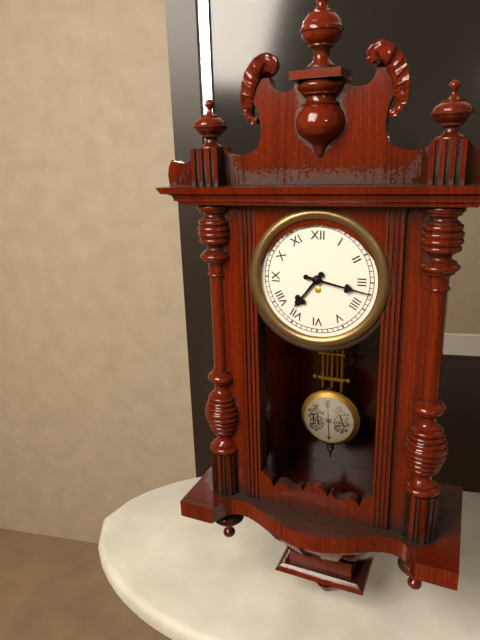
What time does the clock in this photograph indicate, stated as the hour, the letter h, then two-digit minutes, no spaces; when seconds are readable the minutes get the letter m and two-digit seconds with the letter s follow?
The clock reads 7h17
